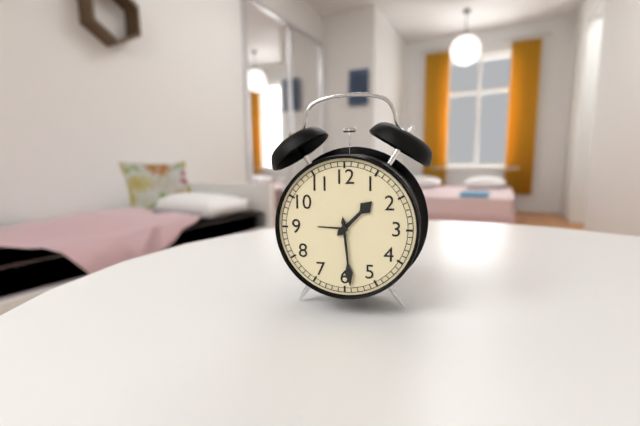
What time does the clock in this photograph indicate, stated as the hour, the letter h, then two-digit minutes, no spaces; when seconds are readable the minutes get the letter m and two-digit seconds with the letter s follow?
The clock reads 1h29
